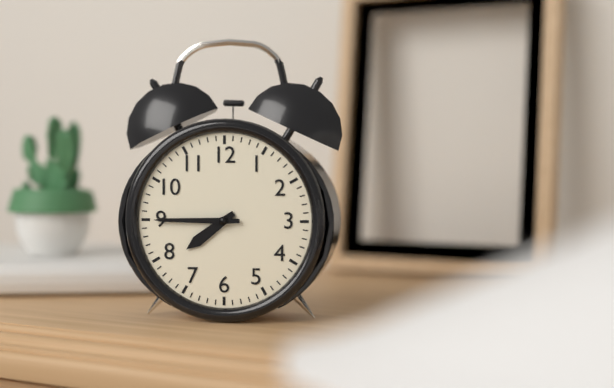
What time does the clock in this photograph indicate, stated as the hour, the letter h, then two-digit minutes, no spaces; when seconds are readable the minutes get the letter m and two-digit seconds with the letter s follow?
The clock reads 7h45
